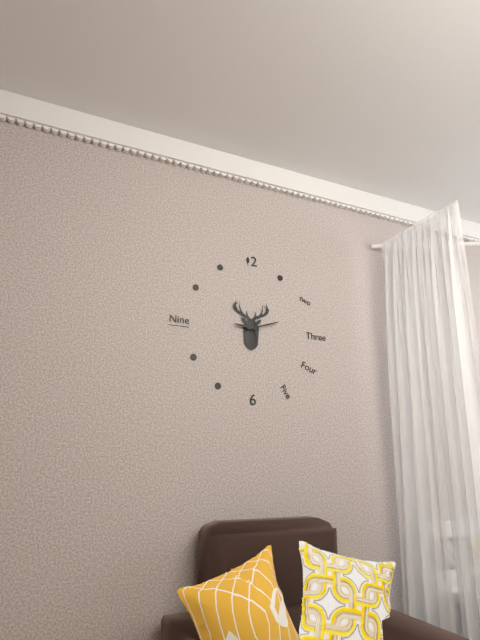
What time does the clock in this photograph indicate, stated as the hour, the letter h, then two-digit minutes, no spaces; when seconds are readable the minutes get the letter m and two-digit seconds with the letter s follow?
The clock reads 9h12
